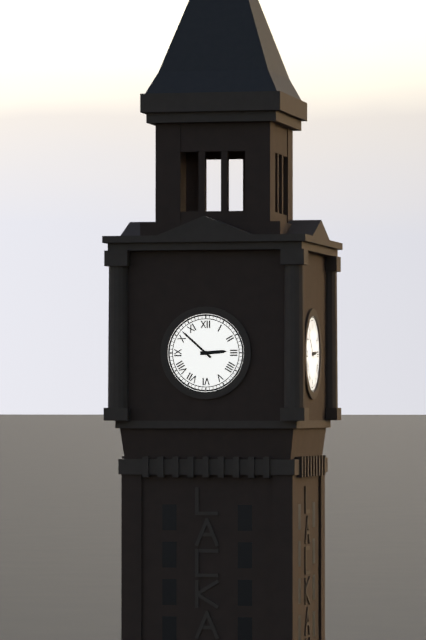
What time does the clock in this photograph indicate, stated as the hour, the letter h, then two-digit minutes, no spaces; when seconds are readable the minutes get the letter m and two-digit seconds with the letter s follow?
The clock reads 2h52
